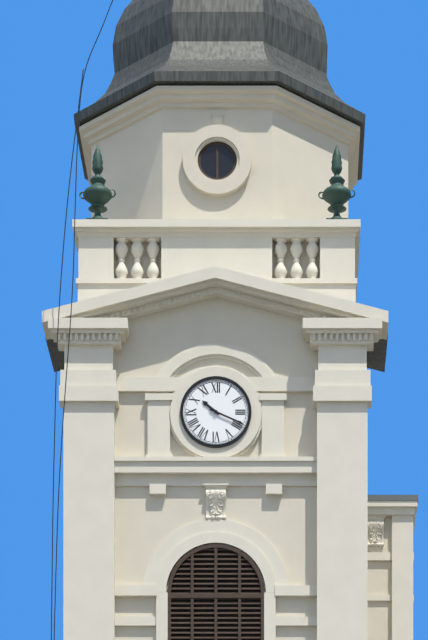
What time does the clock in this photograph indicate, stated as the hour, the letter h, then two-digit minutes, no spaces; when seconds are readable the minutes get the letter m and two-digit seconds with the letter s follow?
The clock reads 10h19
